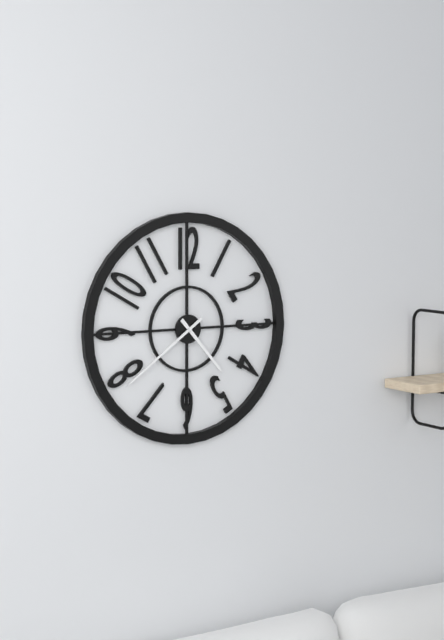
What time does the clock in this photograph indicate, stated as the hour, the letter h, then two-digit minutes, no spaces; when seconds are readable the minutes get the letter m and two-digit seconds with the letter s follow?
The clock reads 4h39
